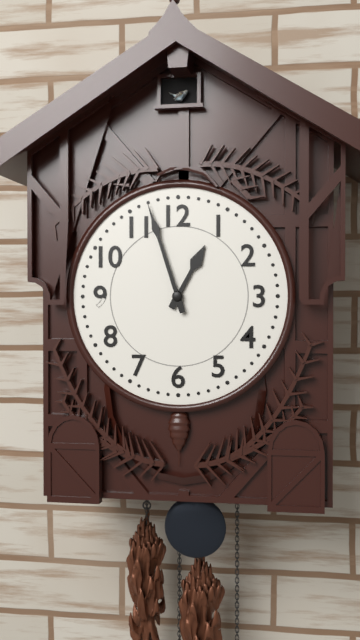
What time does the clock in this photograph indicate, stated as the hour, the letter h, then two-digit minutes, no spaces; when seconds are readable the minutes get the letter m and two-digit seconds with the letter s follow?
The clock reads 12h57
